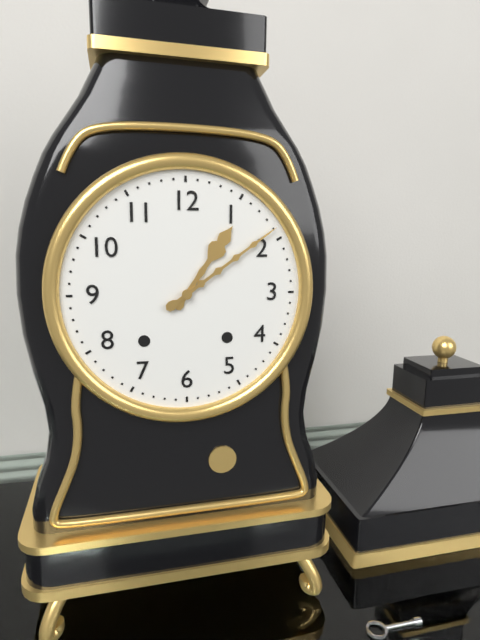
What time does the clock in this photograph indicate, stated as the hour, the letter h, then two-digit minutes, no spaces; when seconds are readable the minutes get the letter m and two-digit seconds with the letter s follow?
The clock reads 1h09
